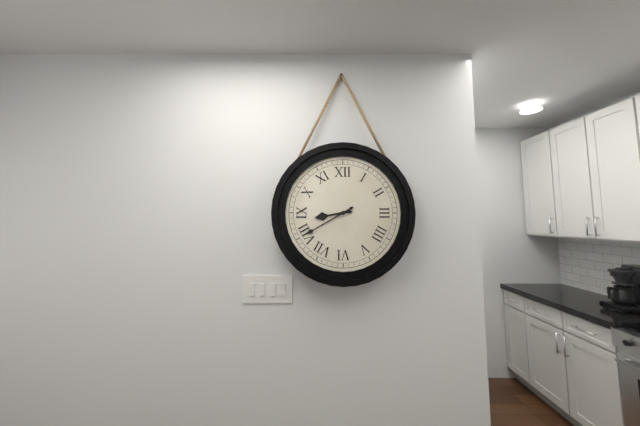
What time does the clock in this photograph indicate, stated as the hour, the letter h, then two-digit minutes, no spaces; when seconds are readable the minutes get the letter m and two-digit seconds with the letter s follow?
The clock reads 8h40
